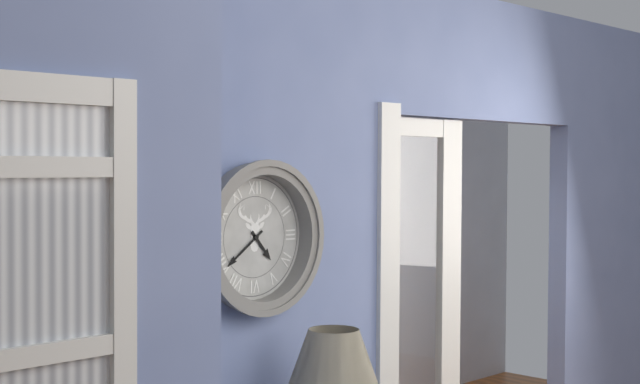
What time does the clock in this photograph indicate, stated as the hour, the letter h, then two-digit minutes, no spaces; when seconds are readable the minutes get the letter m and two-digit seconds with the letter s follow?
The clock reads 4h39
